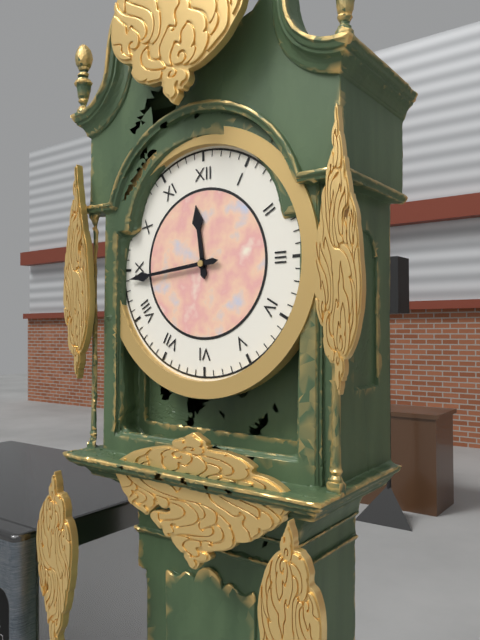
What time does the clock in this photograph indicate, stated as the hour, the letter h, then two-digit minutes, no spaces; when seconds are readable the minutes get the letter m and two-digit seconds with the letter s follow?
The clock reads 11h44
